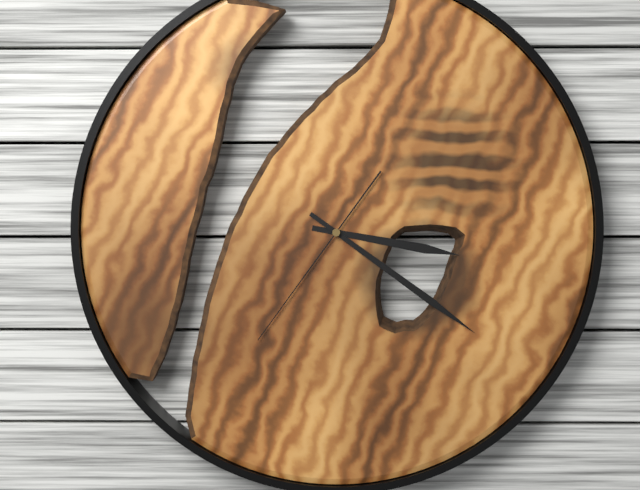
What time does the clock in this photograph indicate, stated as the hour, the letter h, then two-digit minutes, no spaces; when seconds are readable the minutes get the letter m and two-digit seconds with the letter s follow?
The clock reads 3h21m36s
